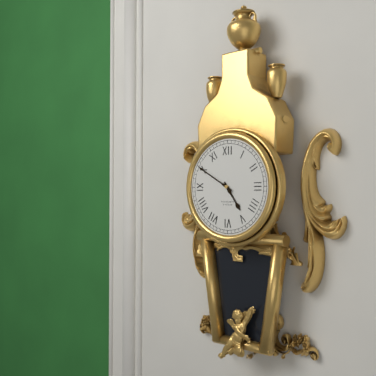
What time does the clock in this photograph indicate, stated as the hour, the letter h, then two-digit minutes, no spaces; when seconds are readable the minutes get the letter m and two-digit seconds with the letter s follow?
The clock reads 4h50
